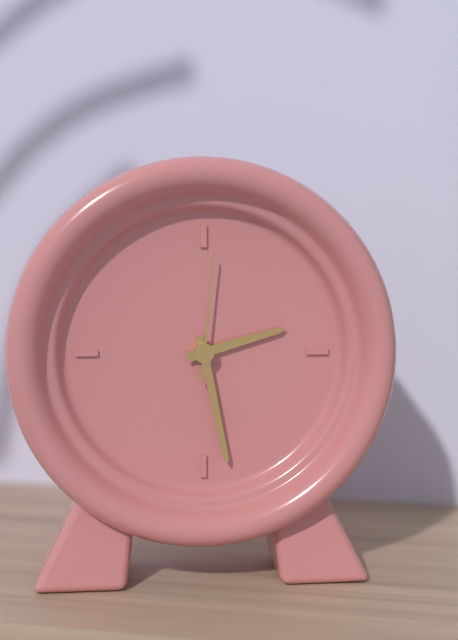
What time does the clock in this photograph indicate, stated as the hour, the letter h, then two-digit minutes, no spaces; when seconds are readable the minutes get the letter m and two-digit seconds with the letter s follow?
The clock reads 2h28m01s
